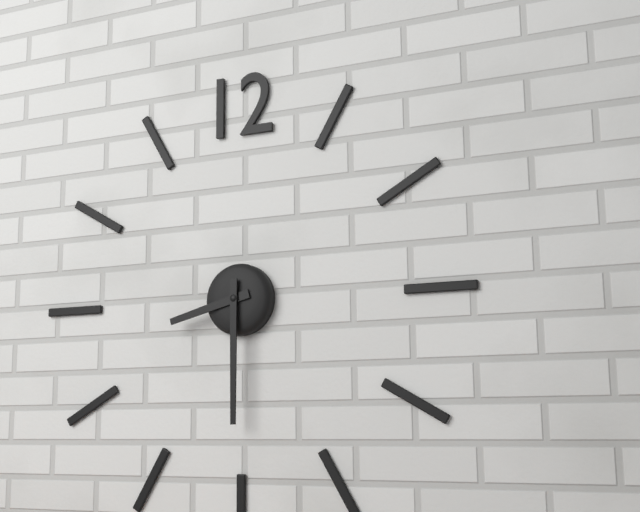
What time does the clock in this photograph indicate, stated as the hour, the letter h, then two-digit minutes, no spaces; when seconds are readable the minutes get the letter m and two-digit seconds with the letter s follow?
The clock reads 8h30
